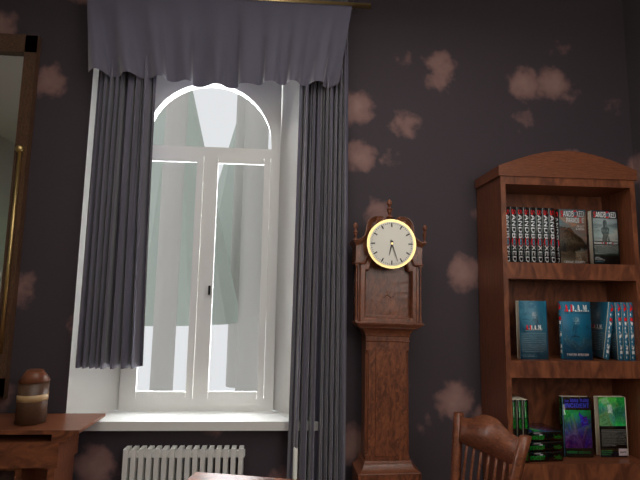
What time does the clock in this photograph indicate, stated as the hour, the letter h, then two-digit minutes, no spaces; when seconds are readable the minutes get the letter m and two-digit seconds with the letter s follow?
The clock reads 6h27
